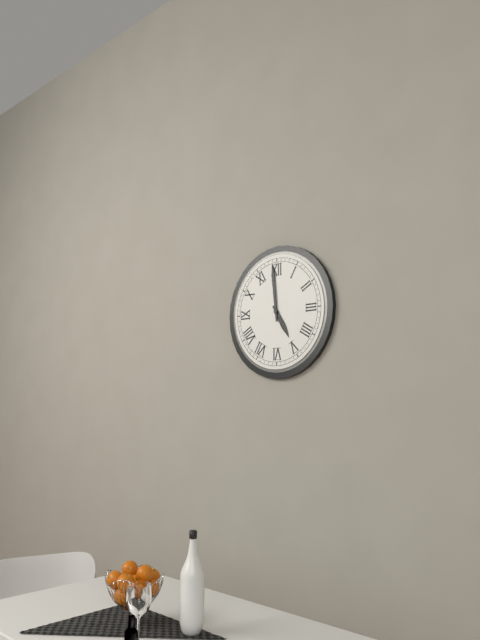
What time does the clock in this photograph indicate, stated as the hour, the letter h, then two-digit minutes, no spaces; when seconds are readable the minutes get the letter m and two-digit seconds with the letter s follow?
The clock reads 4h59
